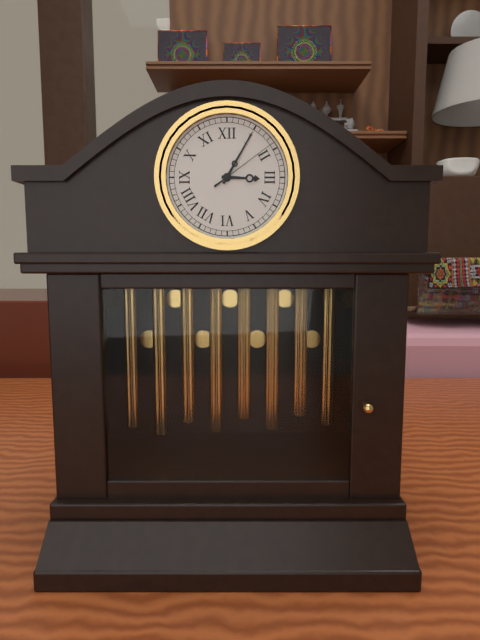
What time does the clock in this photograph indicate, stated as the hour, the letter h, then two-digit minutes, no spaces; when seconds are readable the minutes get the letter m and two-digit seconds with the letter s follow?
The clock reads 3h05m09s
